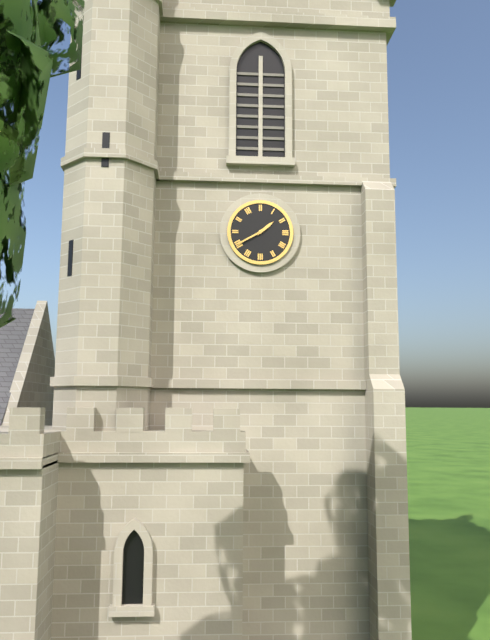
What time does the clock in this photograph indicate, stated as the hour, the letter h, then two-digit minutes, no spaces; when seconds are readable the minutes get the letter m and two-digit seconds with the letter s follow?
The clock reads 1h40
